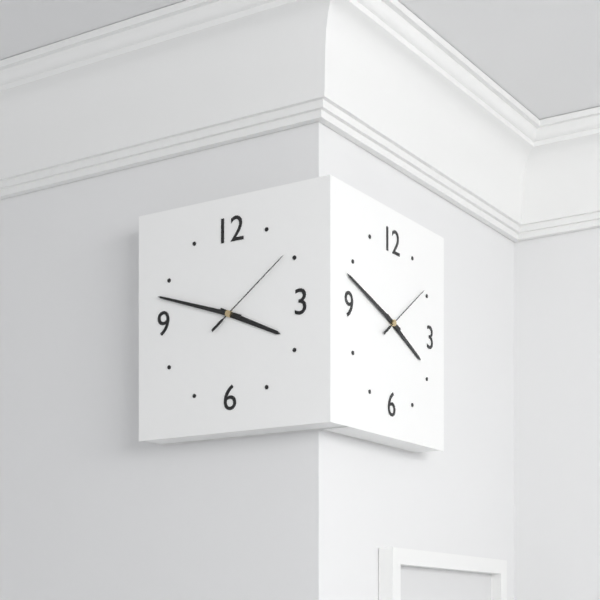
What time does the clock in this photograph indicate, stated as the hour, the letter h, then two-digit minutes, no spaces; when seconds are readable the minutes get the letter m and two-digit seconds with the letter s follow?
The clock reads 3h48m09s
